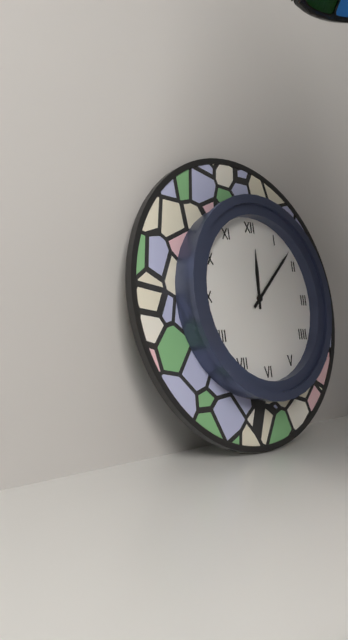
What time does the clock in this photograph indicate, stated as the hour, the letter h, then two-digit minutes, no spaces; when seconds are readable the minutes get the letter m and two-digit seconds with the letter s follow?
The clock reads 12h08
